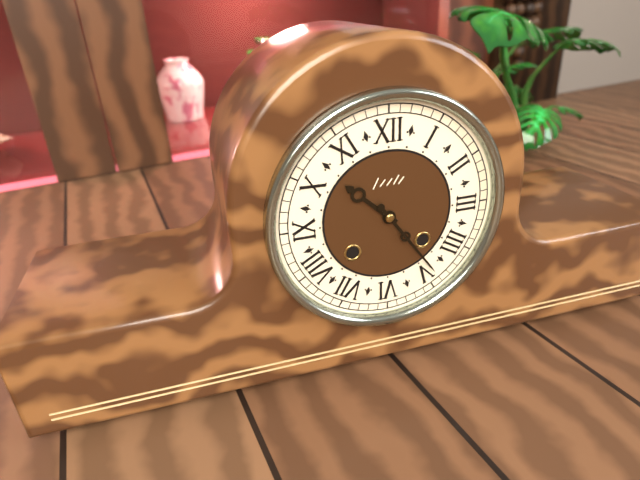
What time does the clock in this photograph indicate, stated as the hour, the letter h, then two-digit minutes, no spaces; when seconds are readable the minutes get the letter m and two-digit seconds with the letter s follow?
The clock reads 10h24
